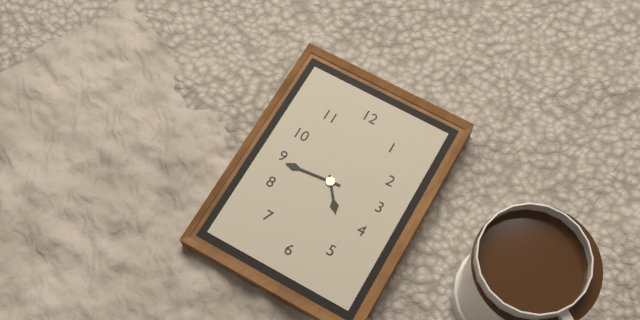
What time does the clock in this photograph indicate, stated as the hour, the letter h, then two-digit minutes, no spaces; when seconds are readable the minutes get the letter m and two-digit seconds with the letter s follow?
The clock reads 4h44
